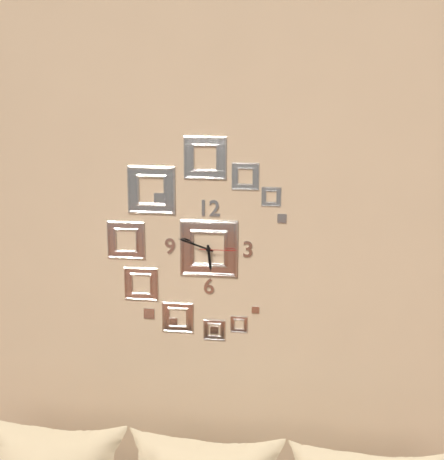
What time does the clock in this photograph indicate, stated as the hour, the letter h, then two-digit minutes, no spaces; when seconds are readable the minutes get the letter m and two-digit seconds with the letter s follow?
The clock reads 5h48
